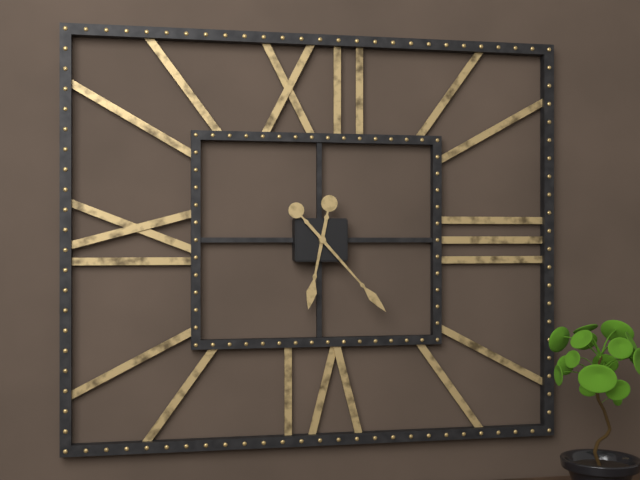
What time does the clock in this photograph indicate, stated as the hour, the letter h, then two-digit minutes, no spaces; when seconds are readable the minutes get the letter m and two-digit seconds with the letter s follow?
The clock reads 6h23
